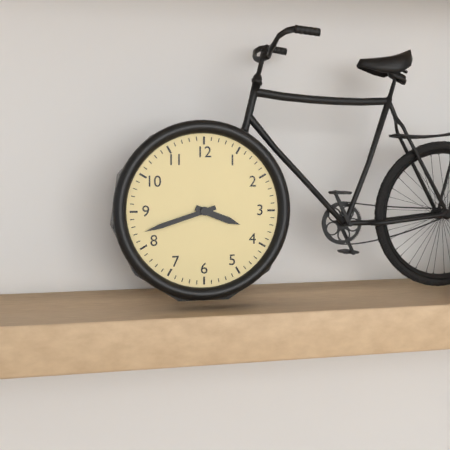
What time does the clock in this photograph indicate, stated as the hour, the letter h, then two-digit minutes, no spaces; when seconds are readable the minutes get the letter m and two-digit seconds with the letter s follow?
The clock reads 3h42
